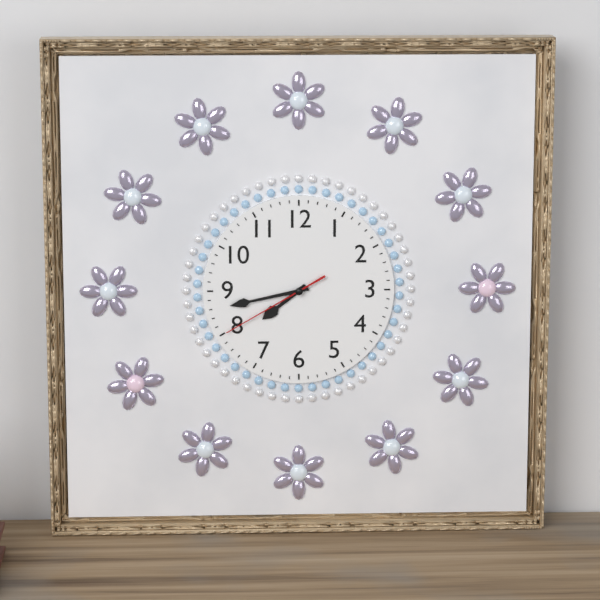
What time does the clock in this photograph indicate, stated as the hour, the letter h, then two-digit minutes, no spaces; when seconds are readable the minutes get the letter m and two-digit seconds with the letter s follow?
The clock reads 7h43m40s
